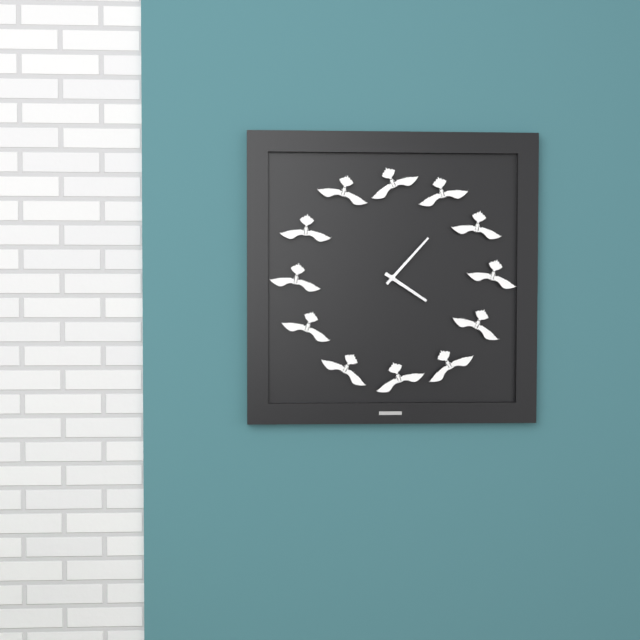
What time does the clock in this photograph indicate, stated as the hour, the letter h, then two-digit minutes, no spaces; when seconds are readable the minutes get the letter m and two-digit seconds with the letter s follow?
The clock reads 4h07
